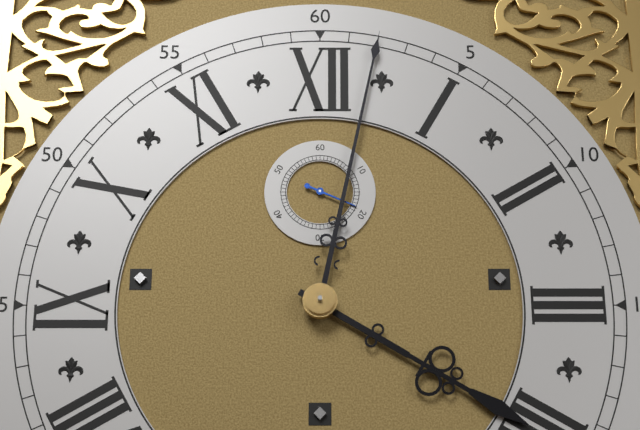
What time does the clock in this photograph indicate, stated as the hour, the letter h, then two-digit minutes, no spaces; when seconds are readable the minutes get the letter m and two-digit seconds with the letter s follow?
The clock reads 4h02
